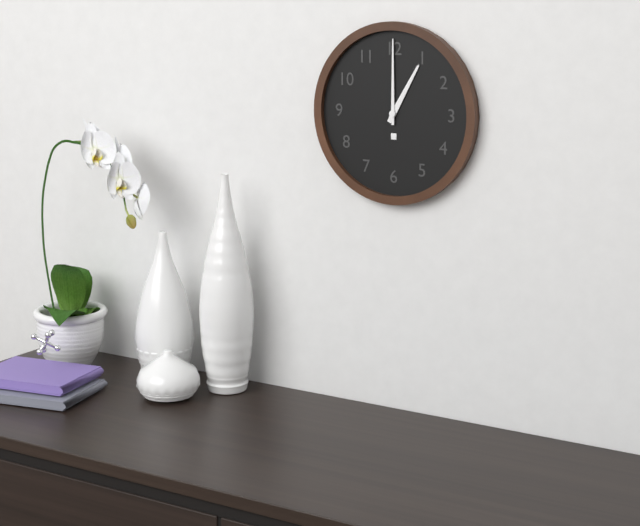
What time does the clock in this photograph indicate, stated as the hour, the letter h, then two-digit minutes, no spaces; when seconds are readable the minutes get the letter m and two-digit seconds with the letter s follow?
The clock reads 1h00
